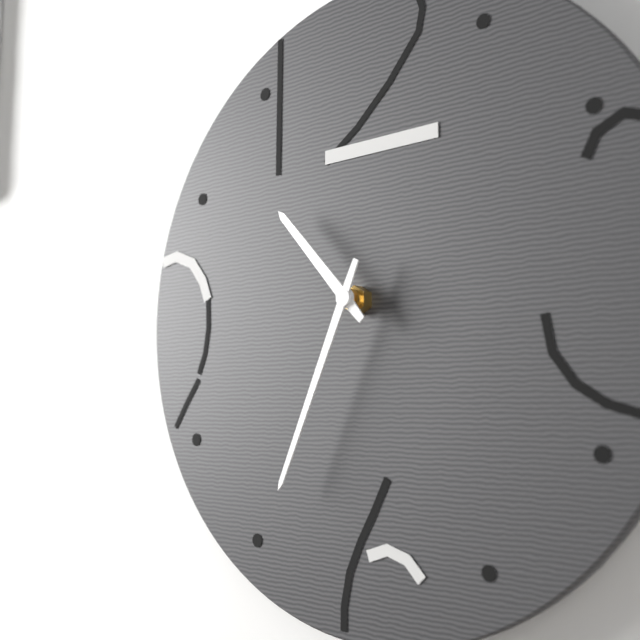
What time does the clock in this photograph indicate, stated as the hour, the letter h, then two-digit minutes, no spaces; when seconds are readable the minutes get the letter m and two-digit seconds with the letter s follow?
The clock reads 10h34
